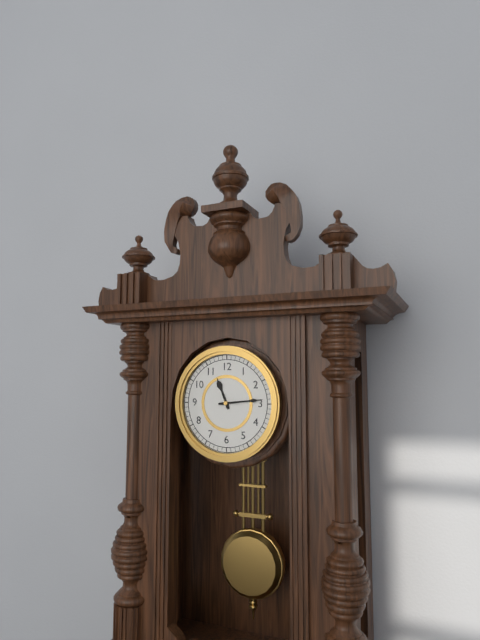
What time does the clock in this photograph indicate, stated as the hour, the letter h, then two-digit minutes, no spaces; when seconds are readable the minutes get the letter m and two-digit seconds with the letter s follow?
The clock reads 11h14
